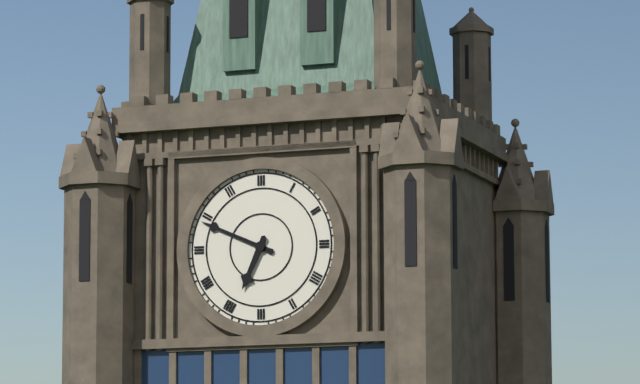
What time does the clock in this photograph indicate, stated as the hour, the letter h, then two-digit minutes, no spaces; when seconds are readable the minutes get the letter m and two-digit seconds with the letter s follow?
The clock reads 6h49
